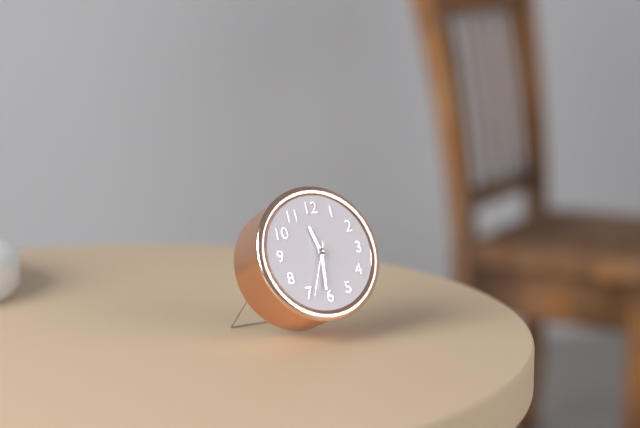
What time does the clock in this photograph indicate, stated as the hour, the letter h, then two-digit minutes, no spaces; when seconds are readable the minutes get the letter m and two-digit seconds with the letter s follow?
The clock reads 11h31m34s
